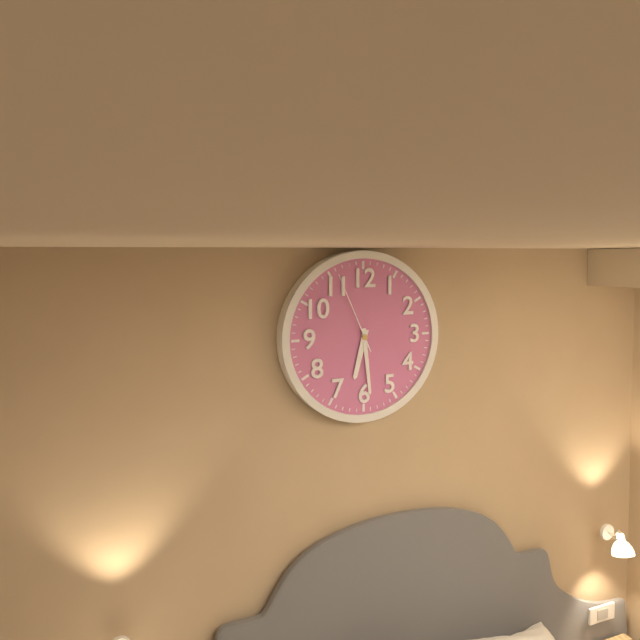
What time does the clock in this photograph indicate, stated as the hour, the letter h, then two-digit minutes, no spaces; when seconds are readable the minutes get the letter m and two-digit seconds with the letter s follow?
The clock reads 6h29m56s
